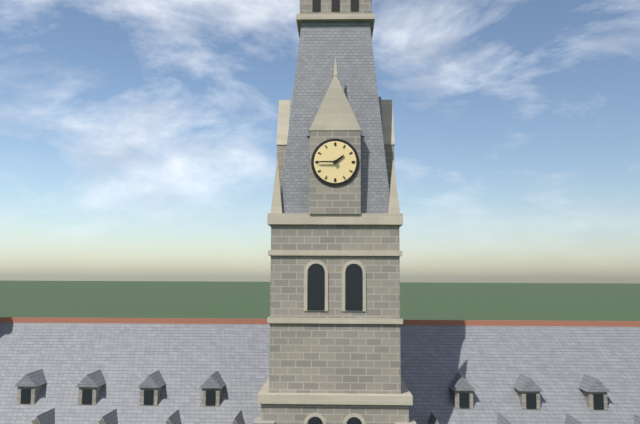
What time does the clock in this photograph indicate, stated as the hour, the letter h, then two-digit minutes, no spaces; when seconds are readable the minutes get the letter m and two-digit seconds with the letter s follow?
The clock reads 1h45
